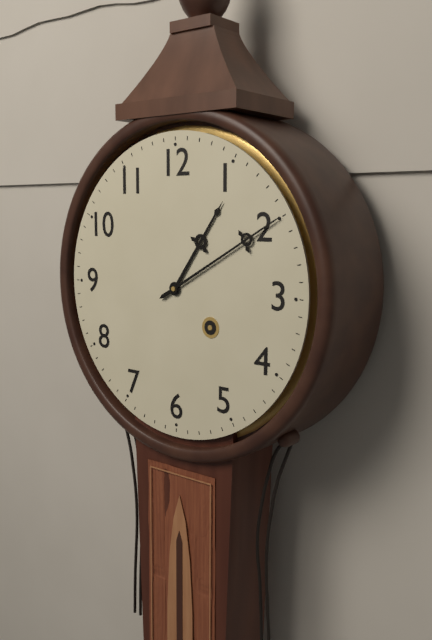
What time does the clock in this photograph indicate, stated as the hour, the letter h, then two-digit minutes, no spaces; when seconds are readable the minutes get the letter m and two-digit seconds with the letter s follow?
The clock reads 1h10
